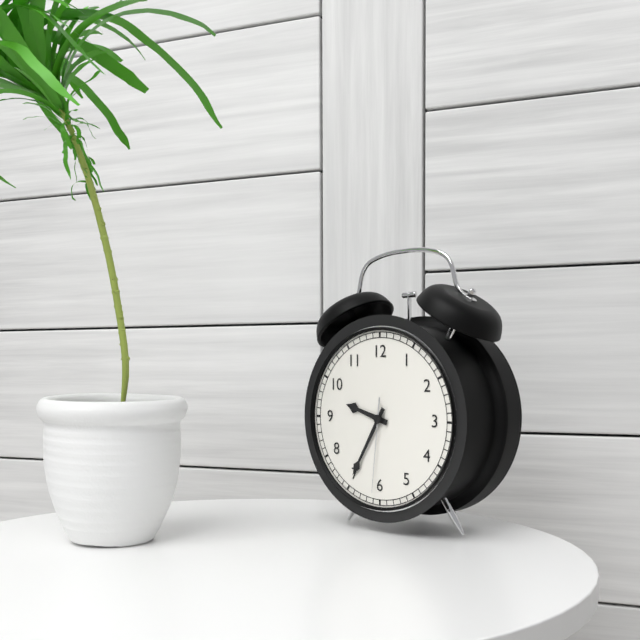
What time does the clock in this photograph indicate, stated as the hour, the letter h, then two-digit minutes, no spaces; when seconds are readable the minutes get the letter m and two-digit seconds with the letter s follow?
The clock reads 9h35m31s
